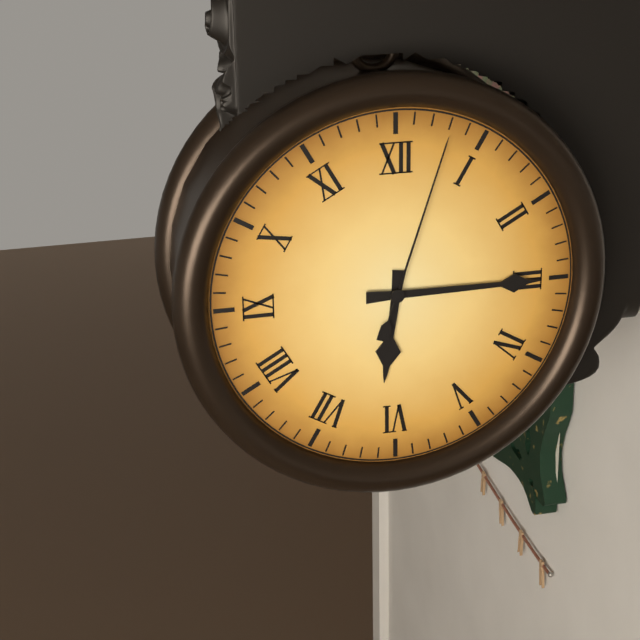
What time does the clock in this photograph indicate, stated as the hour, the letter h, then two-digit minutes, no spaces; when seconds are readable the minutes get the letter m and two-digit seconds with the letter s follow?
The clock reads 6h15m03s
